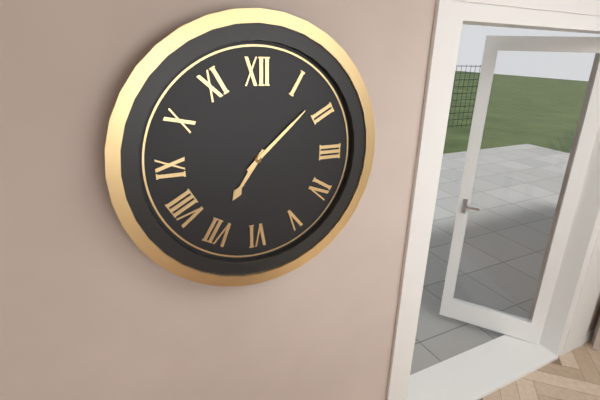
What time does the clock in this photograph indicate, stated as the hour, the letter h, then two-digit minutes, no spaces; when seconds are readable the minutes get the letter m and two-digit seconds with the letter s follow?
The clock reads 7h08
